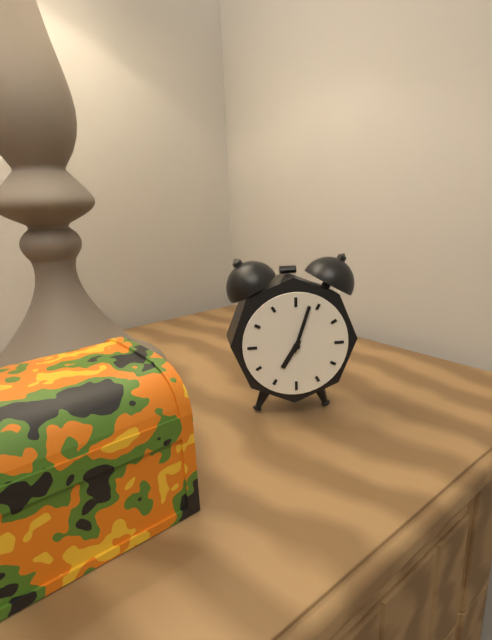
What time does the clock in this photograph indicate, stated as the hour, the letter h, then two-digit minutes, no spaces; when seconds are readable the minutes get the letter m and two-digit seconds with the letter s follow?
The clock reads 7h03
